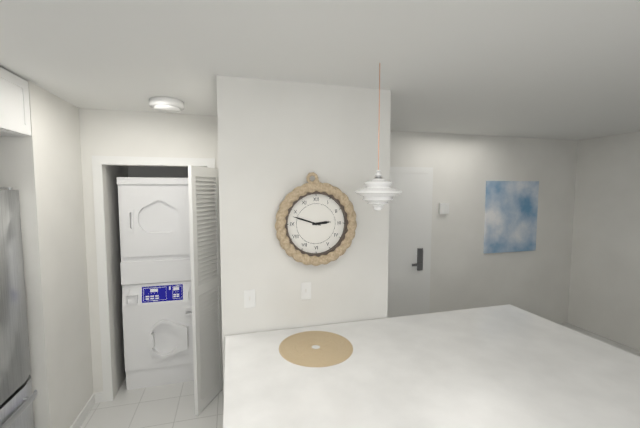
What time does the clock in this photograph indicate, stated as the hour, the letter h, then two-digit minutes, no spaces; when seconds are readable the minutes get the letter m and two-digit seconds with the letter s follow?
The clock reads 2h48
